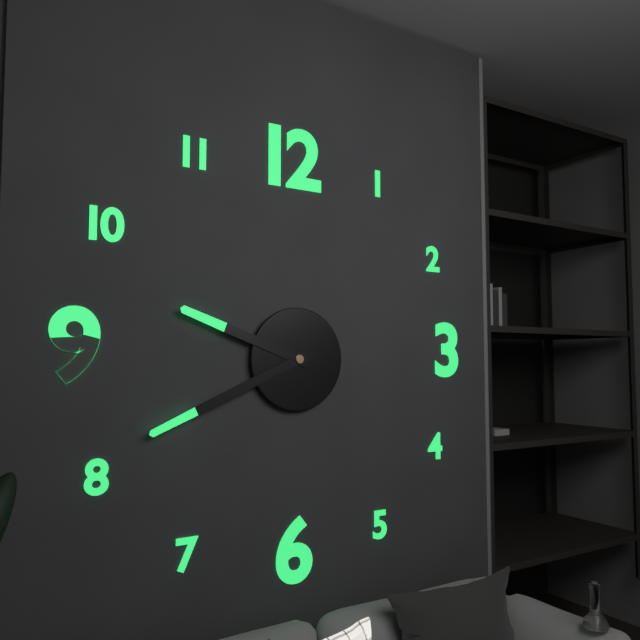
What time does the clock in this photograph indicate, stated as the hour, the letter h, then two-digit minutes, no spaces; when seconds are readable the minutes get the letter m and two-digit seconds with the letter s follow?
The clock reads 9h41
